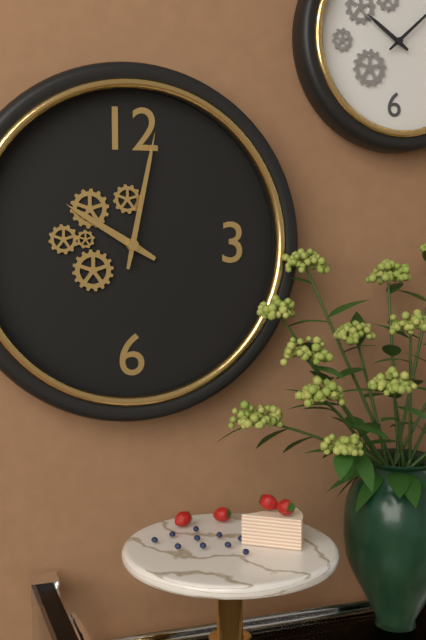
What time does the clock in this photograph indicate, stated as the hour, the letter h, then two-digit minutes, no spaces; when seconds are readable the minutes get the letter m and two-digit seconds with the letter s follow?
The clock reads 10h02
